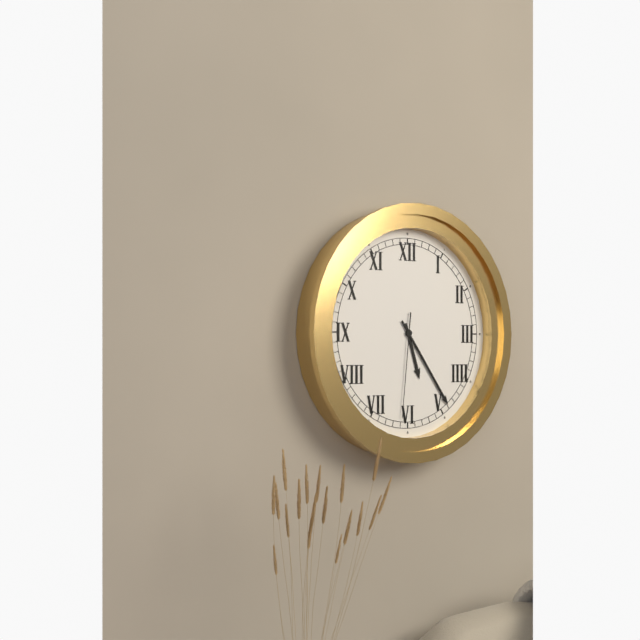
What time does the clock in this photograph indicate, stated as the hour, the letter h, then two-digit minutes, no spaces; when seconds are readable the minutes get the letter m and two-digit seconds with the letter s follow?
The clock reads 5h24m31s
